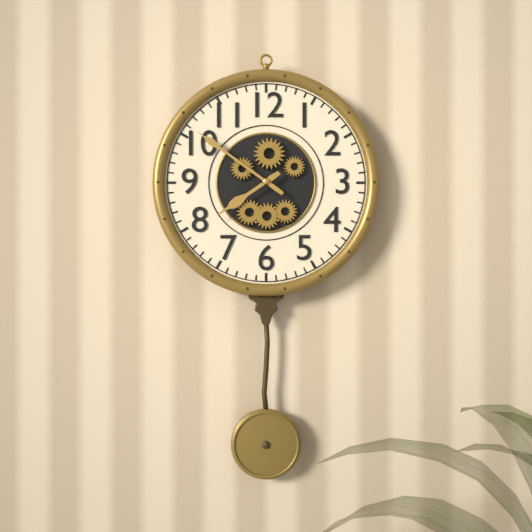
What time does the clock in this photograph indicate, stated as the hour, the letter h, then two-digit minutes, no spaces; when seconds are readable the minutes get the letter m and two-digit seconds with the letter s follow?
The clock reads 7h51
